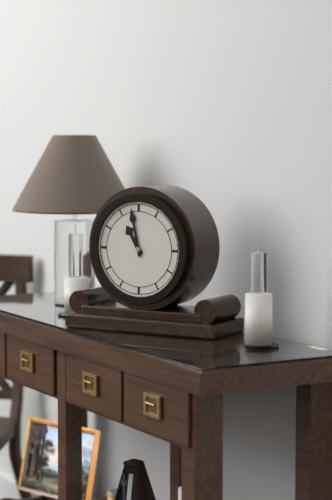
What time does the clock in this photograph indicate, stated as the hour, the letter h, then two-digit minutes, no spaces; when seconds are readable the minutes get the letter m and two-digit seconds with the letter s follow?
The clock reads 10h58
